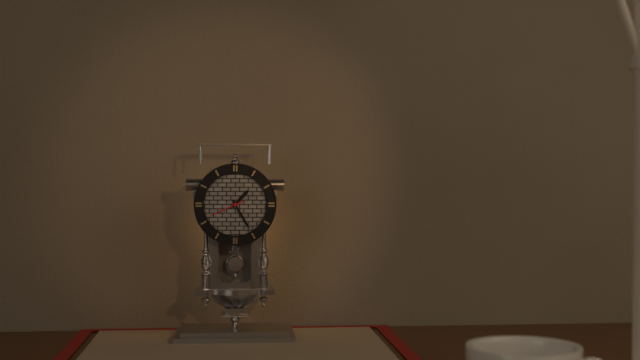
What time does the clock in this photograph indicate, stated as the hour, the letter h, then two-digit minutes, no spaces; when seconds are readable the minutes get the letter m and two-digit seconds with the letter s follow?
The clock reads 1h25
